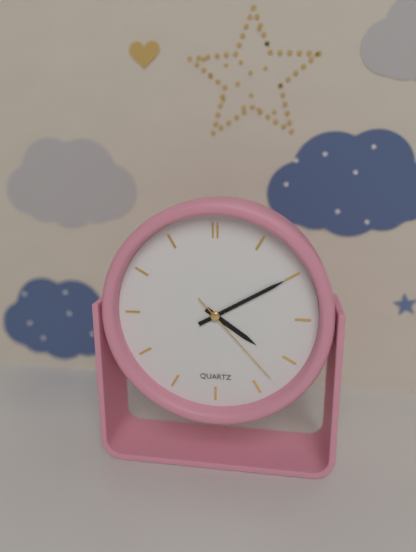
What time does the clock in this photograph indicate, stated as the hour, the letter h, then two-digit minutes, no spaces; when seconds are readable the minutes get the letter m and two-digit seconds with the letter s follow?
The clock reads 4h10m23s
